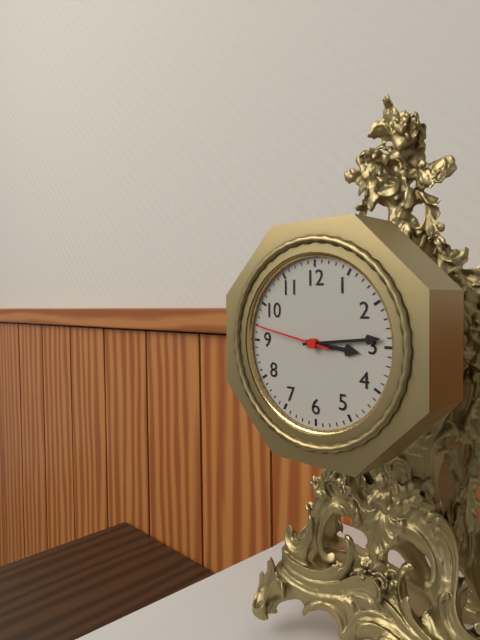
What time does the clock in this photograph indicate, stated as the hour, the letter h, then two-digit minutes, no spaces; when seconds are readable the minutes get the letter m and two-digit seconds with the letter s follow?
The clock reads 3h14m47s
